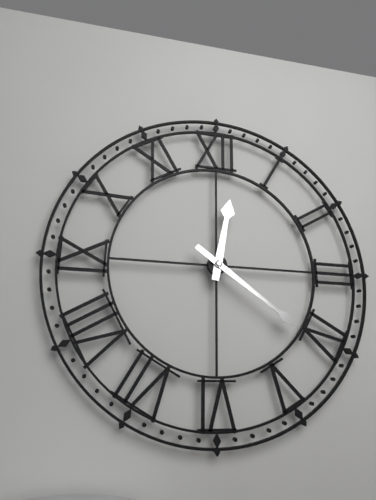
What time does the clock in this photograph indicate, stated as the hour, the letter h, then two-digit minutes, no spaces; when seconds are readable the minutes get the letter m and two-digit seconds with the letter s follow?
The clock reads 12h21
